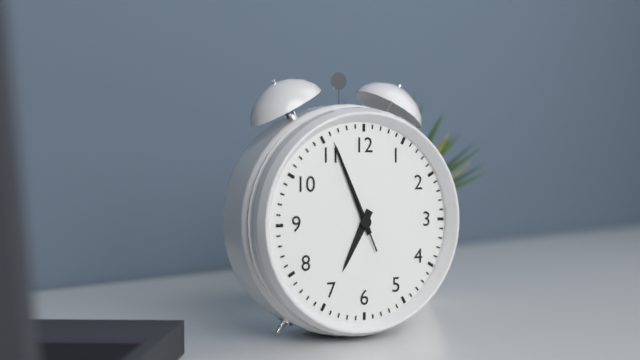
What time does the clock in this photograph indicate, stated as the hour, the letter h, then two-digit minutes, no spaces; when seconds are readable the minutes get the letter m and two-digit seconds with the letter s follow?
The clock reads 6h56m56s
